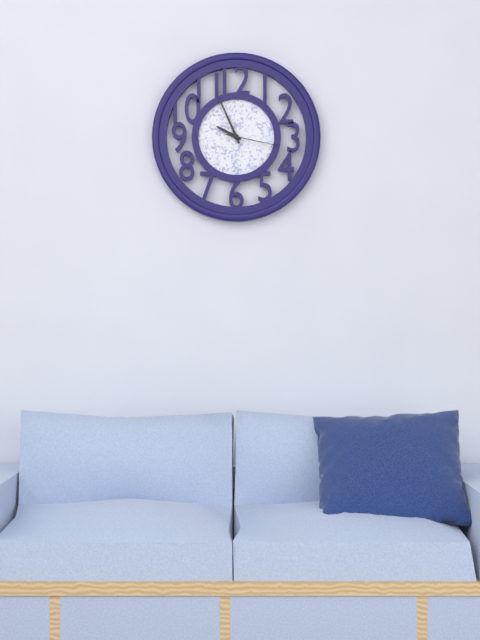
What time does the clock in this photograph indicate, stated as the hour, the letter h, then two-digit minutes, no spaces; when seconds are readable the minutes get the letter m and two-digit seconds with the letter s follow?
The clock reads 9h56m17s
